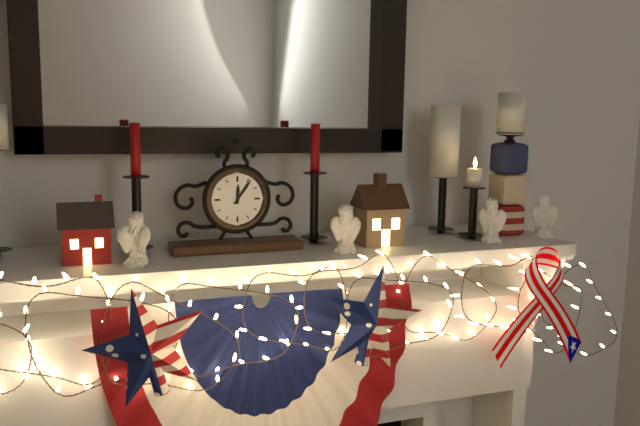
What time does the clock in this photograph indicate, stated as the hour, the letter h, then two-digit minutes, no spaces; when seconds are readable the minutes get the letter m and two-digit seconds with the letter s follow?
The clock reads 12h06
